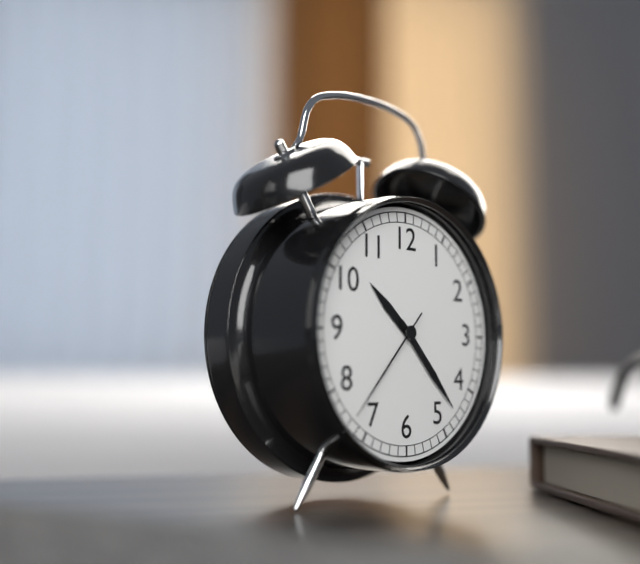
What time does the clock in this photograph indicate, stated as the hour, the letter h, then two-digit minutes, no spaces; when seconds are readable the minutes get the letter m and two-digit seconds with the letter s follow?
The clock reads 10h23m37s
